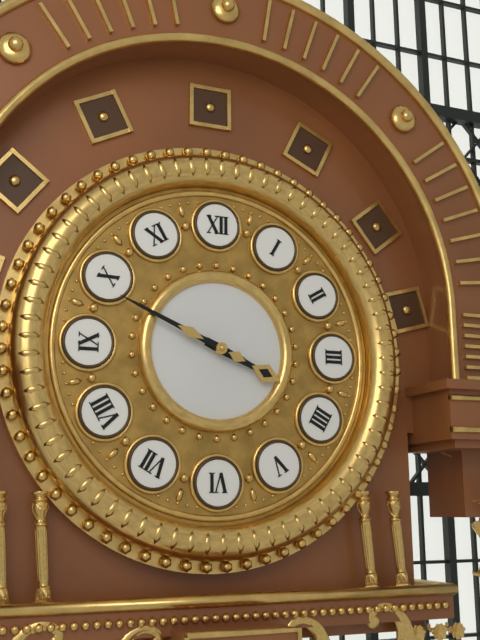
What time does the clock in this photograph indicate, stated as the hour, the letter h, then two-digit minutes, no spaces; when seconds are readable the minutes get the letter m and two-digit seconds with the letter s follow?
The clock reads 3h49
